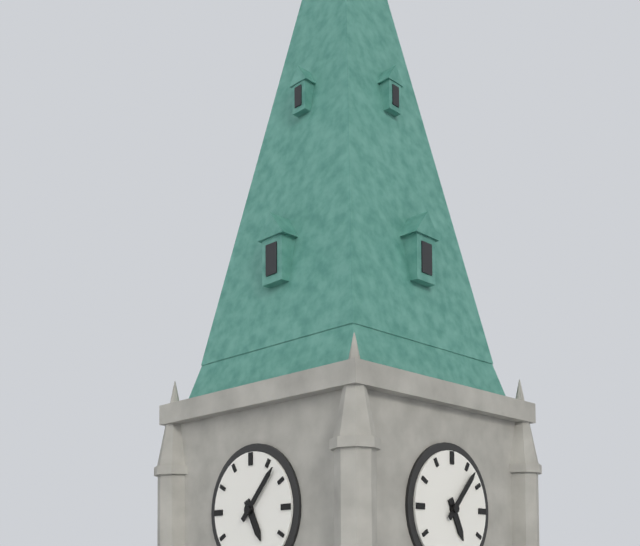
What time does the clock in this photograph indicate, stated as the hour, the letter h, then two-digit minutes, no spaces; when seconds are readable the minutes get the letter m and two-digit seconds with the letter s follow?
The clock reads 5h07
